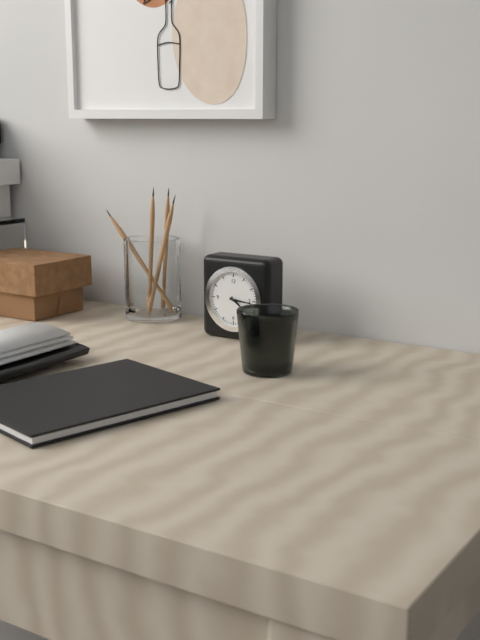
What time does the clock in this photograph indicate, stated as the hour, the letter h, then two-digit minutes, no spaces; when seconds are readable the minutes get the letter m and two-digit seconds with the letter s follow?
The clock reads 4h16
